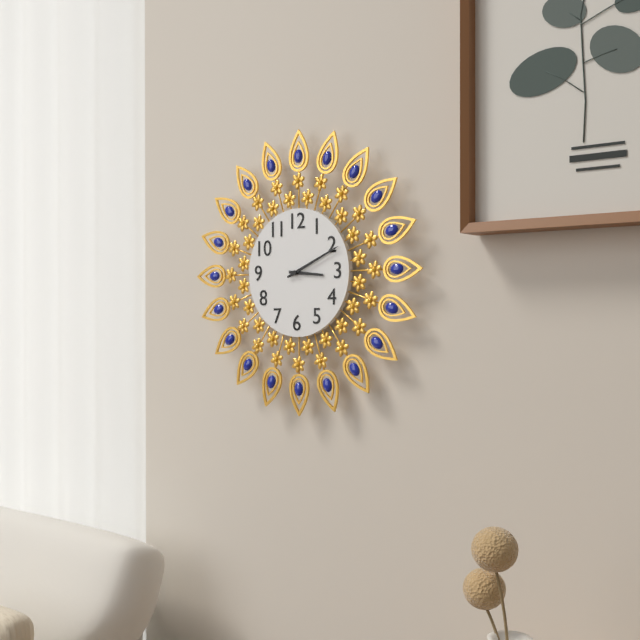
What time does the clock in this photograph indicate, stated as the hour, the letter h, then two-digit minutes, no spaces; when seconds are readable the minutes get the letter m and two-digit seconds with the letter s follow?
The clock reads 3h11
